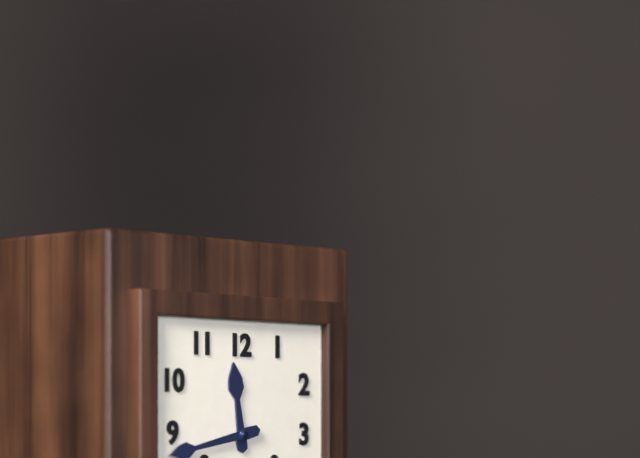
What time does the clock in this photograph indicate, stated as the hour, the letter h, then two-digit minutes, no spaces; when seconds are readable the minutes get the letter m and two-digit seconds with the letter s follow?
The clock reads 11h43
